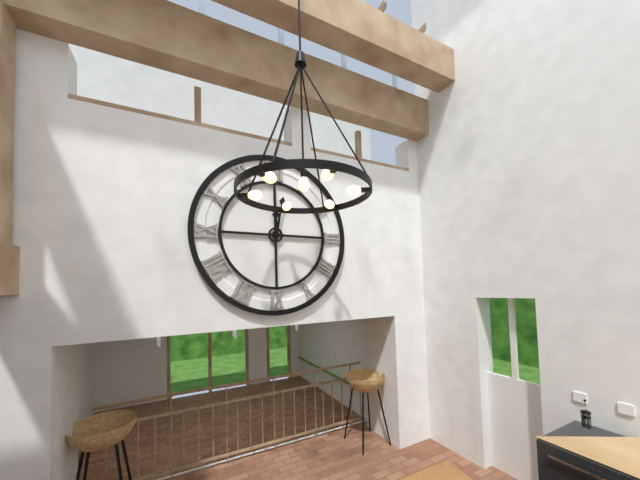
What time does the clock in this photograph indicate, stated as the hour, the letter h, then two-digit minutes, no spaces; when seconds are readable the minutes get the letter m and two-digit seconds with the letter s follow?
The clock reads 12h02
